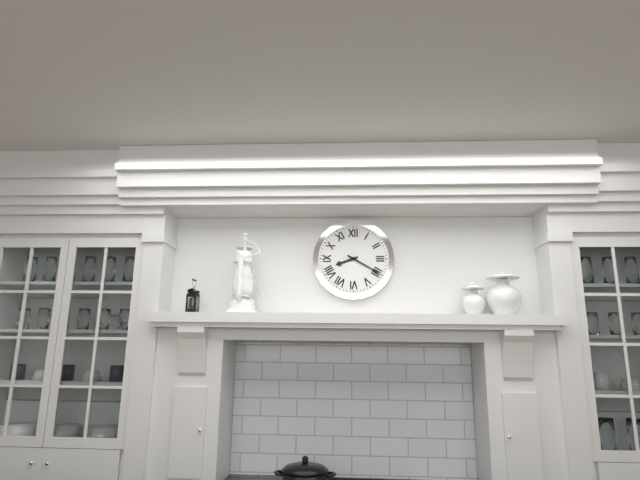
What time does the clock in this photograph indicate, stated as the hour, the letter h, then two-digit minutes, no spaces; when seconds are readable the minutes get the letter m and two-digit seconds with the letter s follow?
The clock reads 8h20
